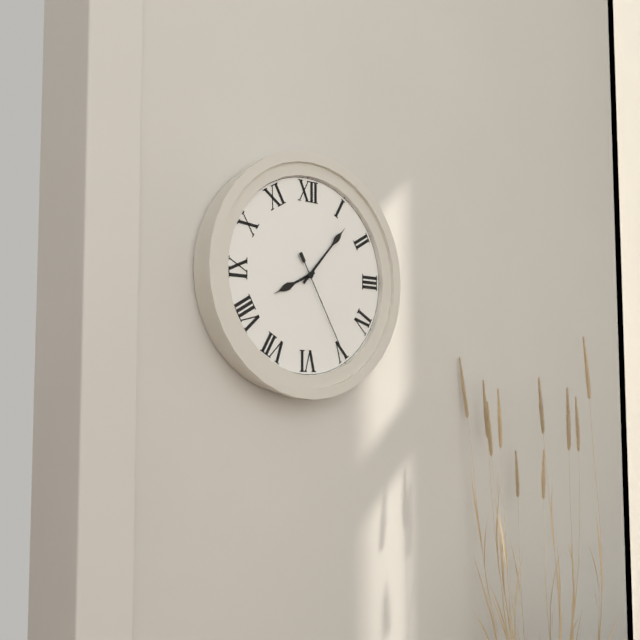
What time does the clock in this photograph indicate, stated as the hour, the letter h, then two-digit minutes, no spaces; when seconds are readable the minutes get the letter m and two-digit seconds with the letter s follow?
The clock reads 8h07m25s
